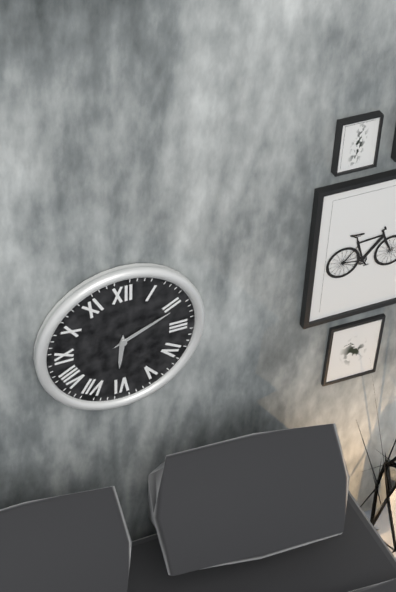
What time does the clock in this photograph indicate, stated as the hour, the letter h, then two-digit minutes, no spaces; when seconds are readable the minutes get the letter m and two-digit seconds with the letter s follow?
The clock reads 6h11
